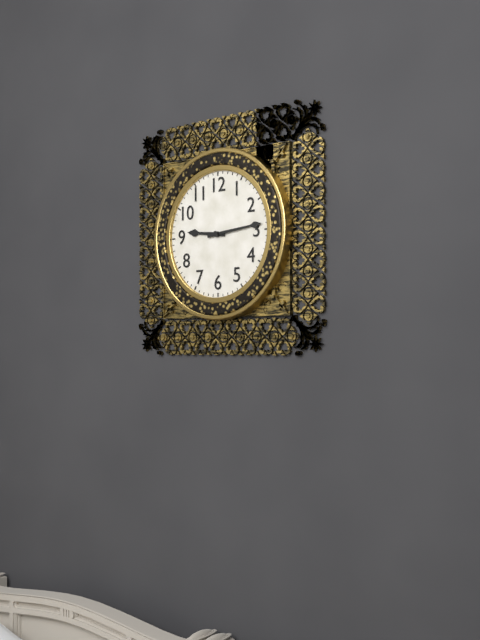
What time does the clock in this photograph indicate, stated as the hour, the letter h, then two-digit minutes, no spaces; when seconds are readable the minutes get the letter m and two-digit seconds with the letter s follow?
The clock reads 9h14
